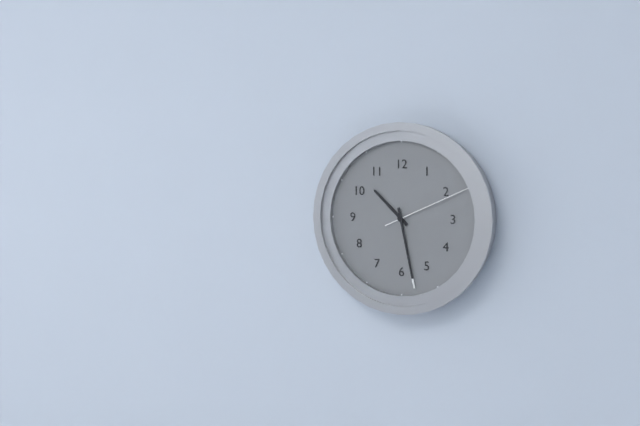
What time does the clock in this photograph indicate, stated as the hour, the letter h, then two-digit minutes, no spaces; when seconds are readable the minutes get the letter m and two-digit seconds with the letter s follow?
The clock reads 10h28m11s
